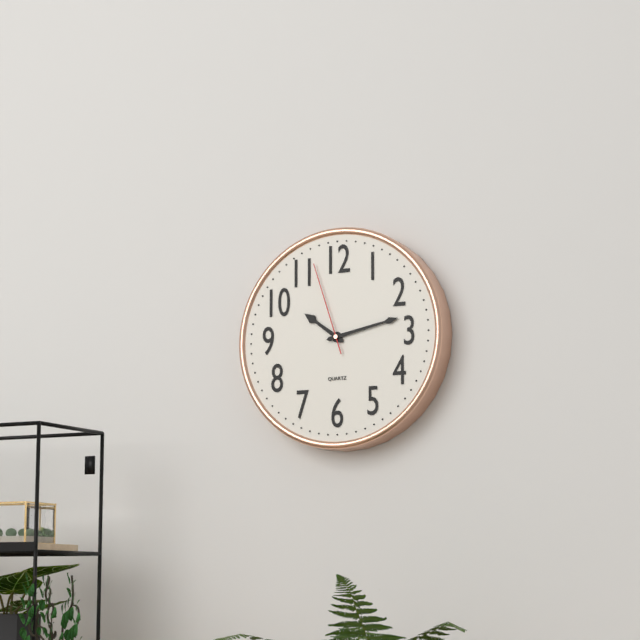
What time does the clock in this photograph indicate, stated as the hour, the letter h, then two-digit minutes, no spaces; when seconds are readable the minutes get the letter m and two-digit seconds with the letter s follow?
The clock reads 10h13m57s
